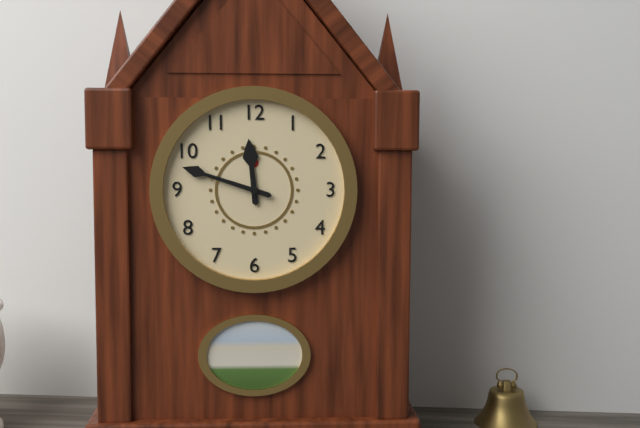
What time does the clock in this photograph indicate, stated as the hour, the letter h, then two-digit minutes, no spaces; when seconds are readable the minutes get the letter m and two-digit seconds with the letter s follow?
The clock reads 11h48
